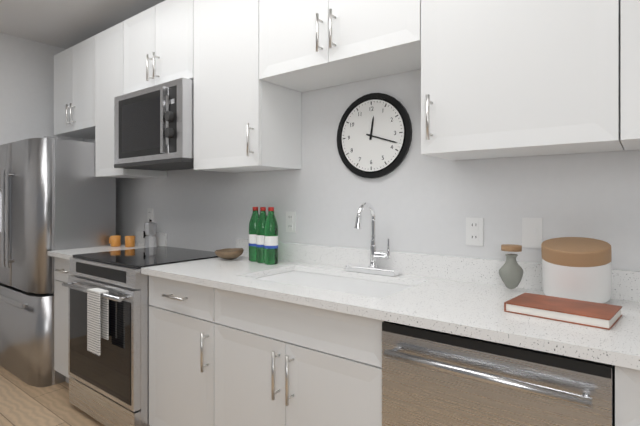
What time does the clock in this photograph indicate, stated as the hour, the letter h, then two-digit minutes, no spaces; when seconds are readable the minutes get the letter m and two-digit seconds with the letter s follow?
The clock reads 12h18
